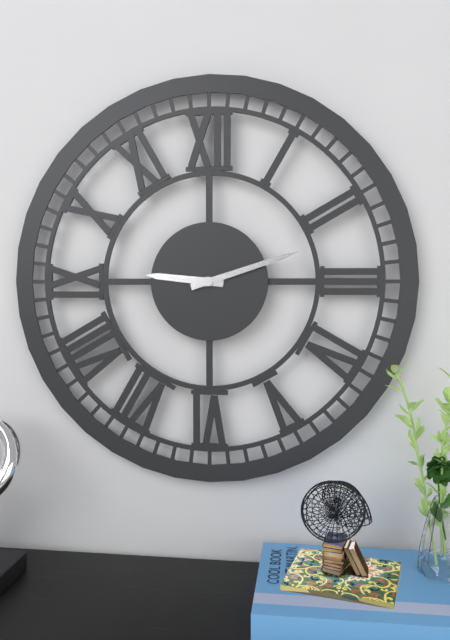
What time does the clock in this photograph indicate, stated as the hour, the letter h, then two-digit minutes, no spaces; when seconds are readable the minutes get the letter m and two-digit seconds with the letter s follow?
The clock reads 9h12
